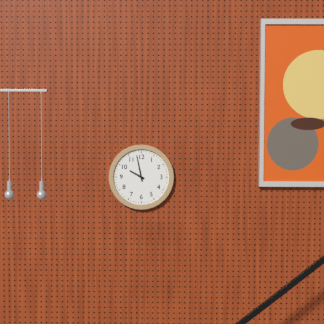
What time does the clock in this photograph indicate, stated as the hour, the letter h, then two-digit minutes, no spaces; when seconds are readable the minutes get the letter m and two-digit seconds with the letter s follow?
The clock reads 9h58
